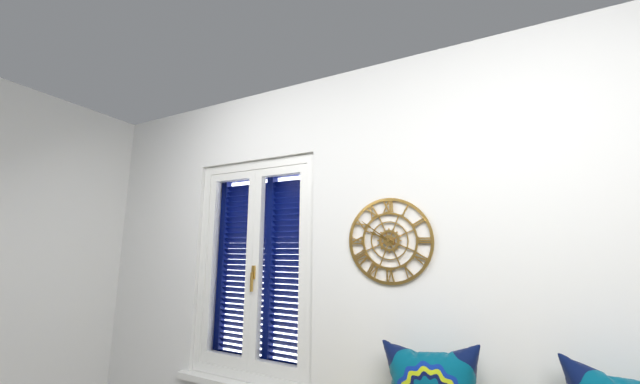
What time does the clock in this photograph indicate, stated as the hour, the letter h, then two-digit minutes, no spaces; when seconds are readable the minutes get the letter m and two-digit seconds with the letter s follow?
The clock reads 9h51
